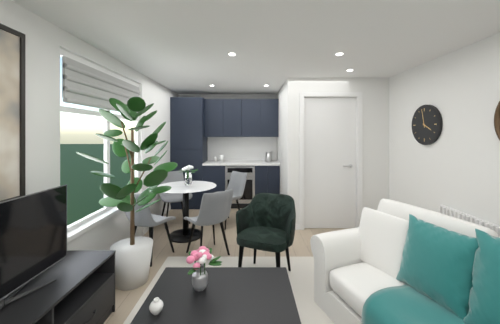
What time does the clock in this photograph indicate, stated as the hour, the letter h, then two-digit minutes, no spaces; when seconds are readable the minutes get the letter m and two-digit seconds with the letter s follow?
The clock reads 3h58
